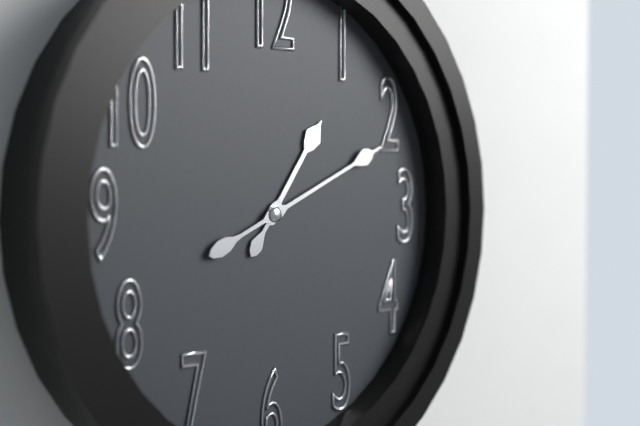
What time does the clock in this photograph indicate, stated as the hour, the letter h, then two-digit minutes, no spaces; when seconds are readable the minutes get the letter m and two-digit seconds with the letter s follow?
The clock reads 1h11
